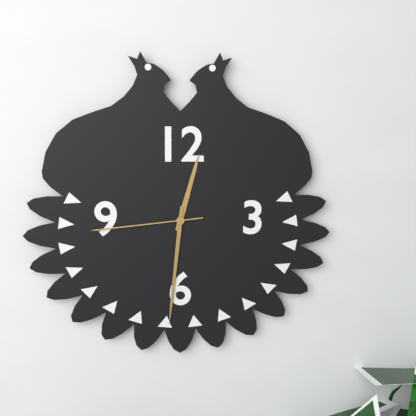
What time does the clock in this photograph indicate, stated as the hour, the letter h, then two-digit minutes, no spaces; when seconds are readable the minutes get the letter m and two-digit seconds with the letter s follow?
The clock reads 12h31m44s
